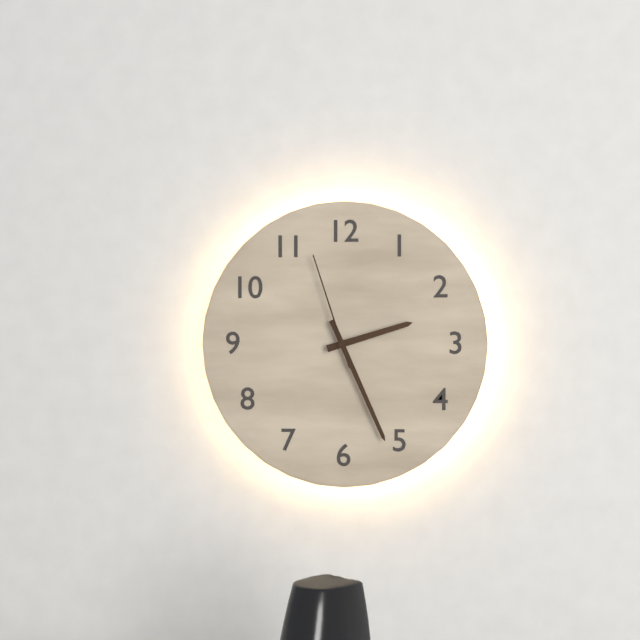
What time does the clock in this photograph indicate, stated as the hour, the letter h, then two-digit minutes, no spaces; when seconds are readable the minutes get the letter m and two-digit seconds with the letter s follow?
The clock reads 2h26m57s
